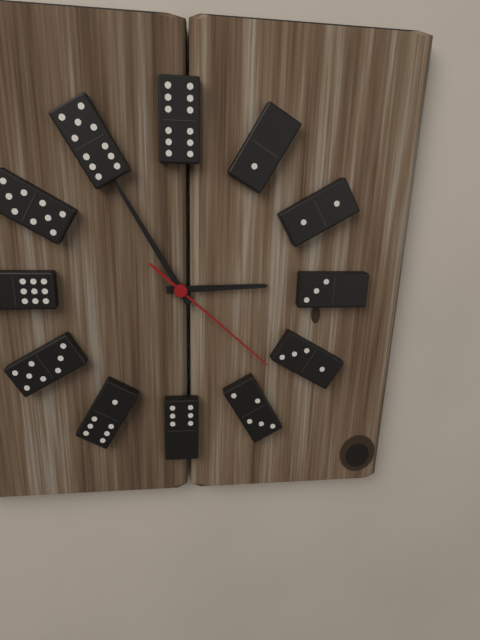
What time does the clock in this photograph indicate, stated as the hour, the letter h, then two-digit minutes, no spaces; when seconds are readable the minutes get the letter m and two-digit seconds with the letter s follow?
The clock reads 2h55m22s
